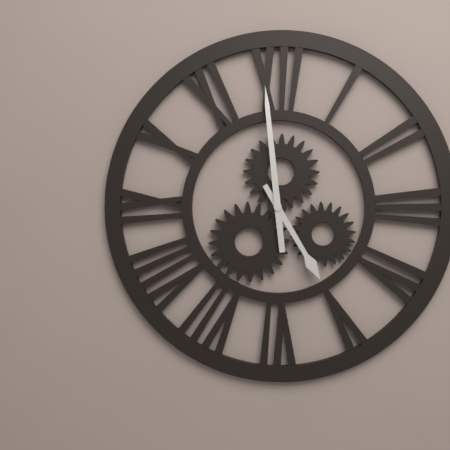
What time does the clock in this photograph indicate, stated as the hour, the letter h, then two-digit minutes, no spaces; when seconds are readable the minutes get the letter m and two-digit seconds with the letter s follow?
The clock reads 4h59
